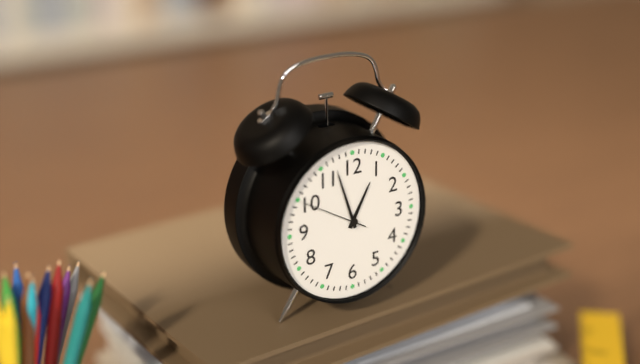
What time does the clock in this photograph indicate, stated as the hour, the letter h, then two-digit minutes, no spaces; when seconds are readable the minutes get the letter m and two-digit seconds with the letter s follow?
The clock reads 12h57m50s
